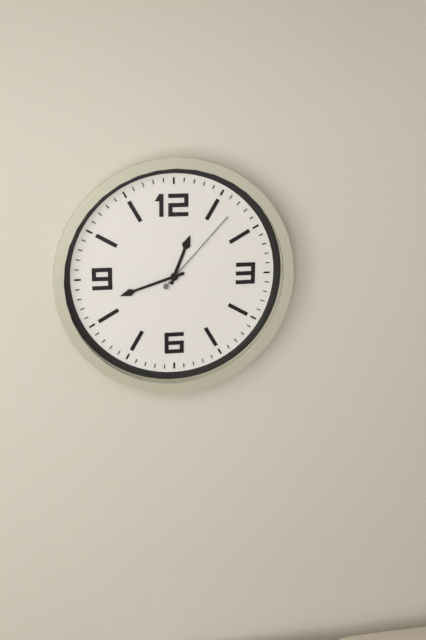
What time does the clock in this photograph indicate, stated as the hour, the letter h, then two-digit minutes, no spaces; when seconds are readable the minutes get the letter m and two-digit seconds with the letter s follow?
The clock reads 12h42m07s
